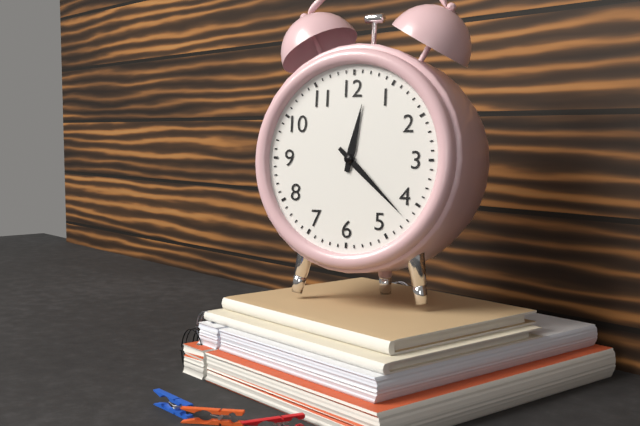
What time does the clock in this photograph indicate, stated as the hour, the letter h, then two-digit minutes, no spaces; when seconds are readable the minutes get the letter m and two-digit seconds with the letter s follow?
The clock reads 12h22
